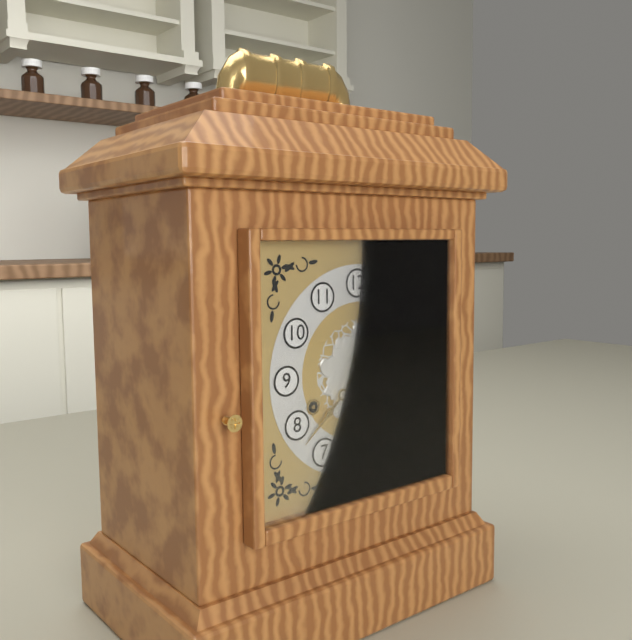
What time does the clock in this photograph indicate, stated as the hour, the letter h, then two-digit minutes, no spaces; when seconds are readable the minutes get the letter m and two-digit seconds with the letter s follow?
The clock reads 5h38
